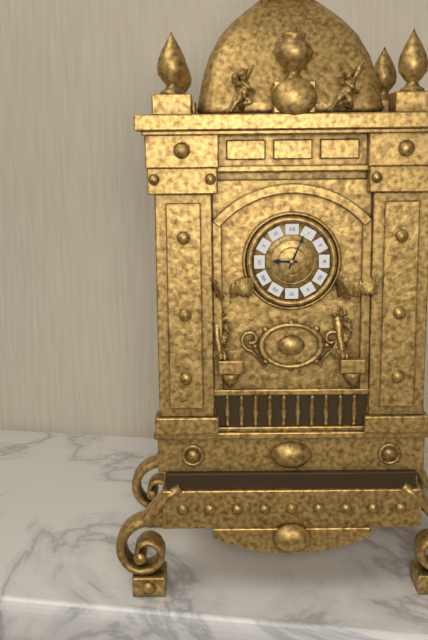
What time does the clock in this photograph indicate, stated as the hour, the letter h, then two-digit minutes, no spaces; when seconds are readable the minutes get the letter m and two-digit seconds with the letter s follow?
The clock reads 9h04
